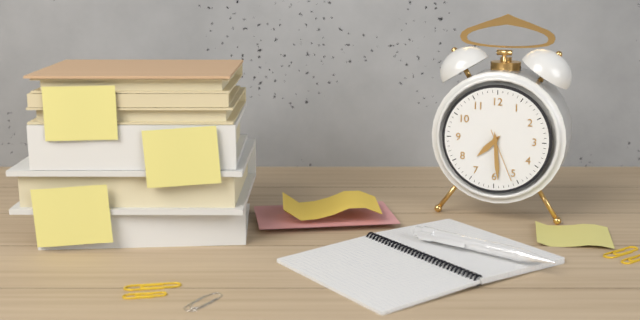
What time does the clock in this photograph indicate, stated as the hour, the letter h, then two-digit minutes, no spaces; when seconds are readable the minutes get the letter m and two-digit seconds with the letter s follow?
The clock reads 7h29m26s
